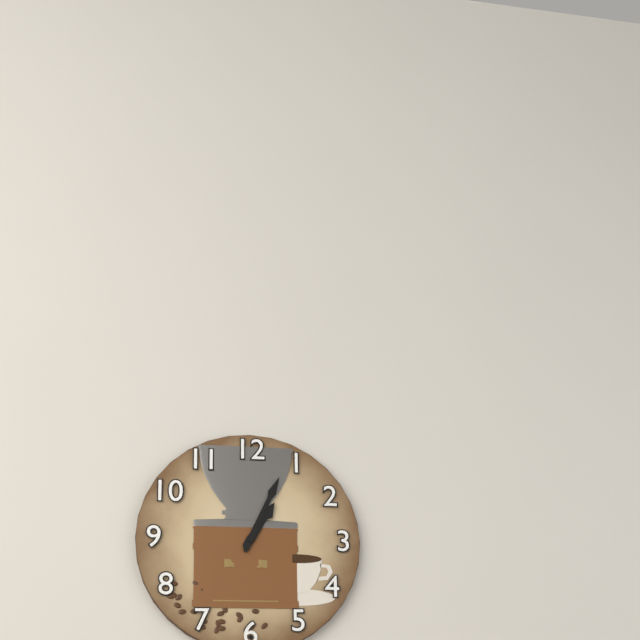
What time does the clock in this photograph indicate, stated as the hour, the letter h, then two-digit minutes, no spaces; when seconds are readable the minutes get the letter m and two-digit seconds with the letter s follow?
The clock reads 1h04
